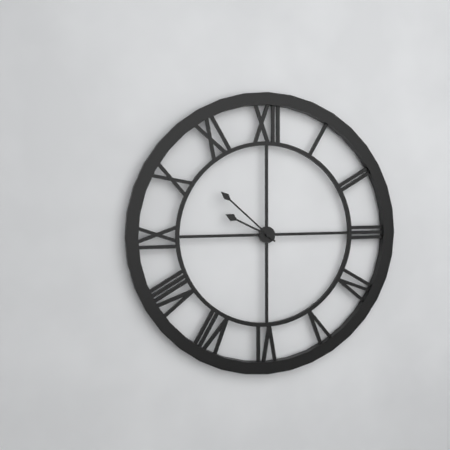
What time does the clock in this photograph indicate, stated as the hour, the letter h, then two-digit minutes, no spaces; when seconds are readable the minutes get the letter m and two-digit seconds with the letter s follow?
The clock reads 9h52
